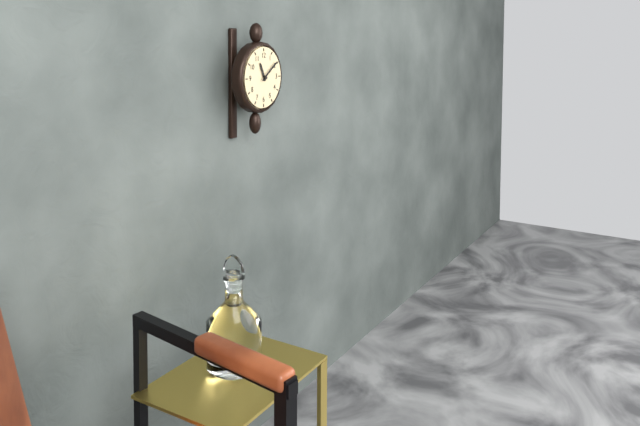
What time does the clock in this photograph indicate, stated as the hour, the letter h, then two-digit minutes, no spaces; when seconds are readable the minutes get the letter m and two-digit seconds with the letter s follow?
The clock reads 11h09
